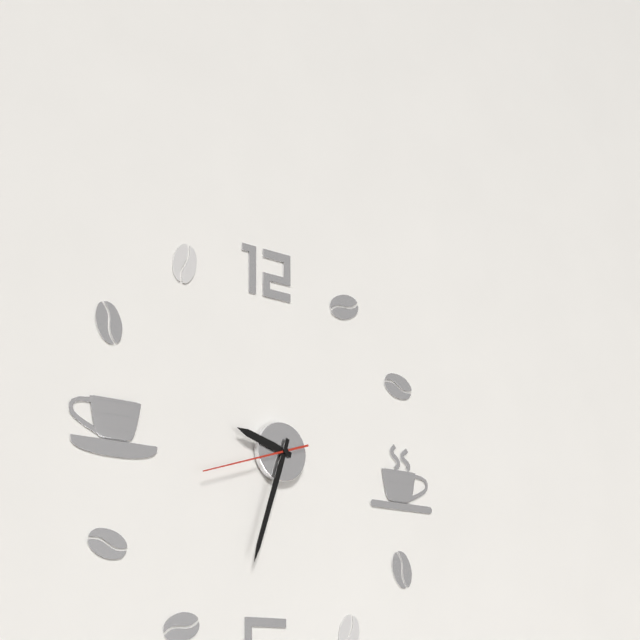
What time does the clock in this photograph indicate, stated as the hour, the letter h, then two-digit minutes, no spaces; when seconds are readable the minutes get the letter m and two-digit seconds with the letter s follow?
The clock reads 9h33m42s
